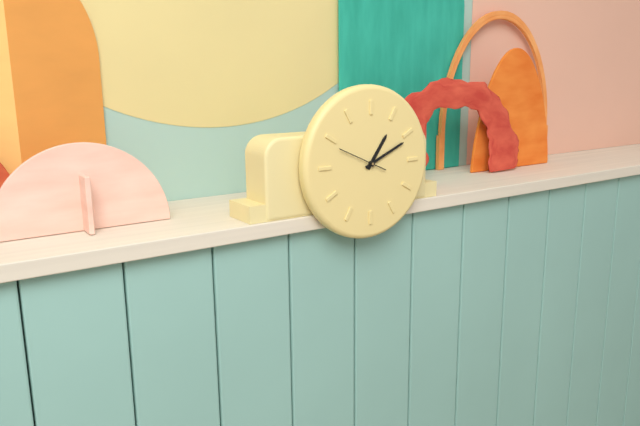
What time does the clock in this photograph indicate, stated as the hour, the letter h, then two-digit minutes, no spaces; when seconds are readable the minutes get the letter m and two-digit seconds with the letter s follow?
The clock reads 1h11
